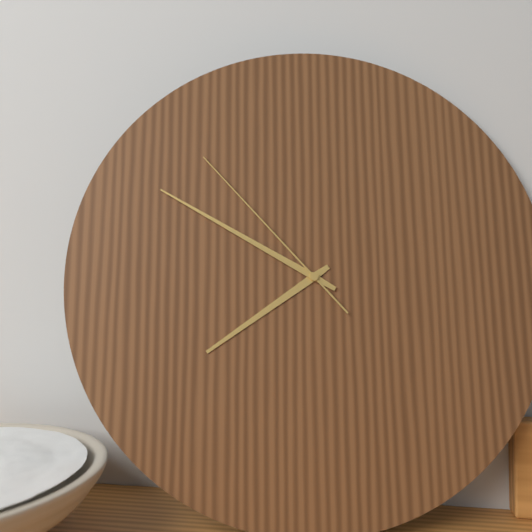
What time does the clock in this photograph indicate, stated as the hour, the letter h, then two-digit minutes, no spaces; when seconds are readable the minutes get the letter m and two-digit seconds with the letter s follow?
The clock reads 7h50m53s
